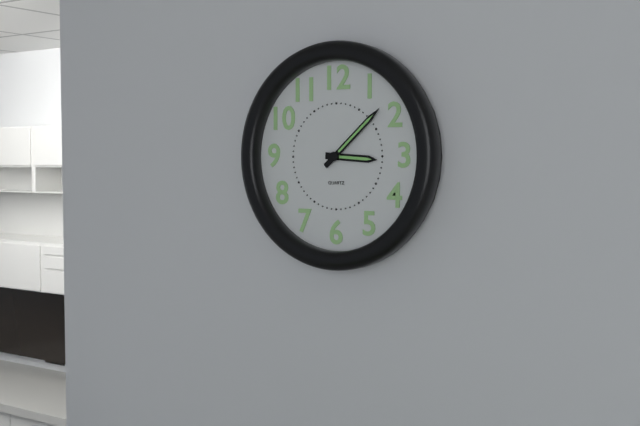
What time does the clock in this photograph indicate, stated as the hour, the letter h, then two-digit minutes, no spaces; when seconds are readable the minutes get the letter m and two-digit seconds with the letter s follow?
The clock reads 3h08
